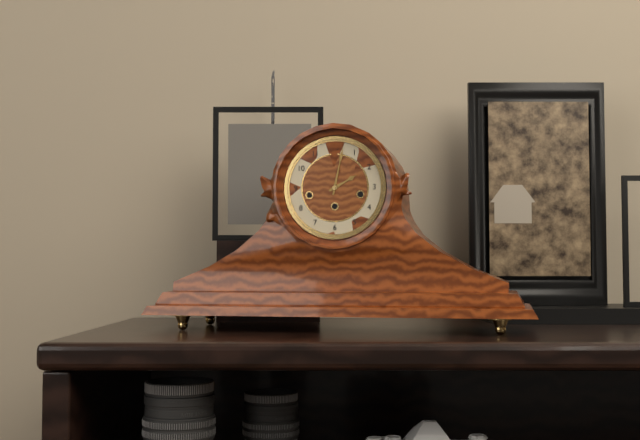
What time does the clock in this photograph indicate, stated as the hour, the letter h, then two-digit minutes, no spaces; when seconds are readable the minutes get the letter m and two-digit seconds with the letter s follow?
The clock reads 2h02
